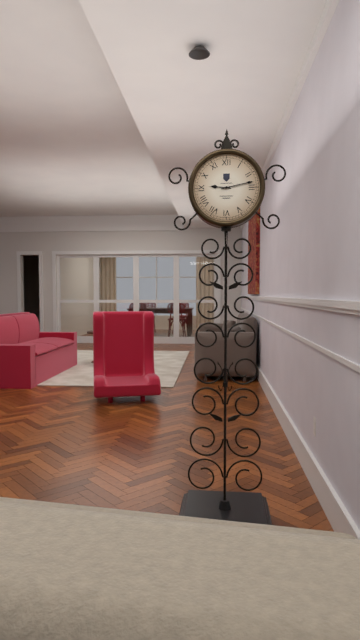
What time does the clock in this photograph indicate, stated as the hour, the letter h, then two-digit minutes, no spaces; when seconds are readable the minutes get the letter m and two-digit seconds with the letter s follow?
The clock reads 9h13
